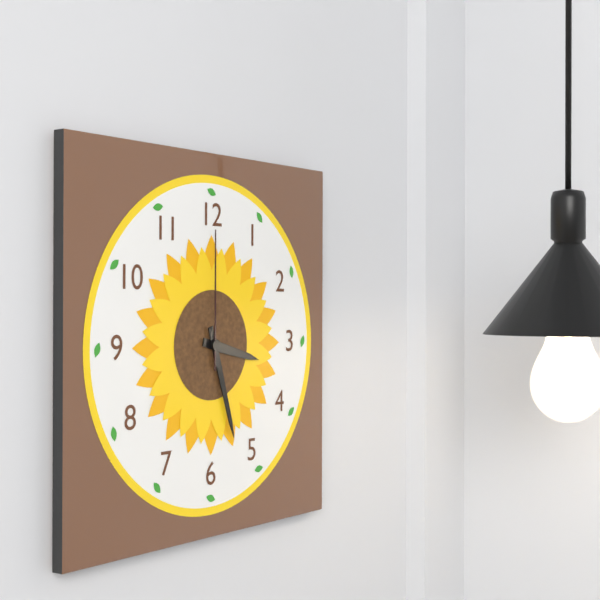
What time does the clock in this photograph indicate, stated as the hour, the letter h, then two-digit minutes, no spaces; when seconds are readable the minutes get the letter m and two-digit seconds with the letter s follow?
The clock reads 3h27m00s
